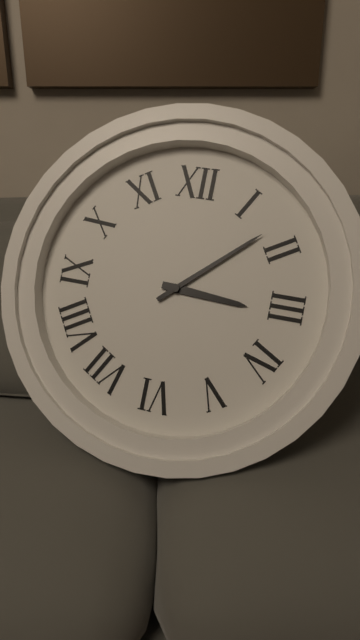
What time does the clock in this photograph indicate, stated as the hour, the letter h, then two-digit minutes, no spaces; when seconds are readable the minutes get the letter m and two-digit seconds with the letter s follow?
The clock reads 3h08
